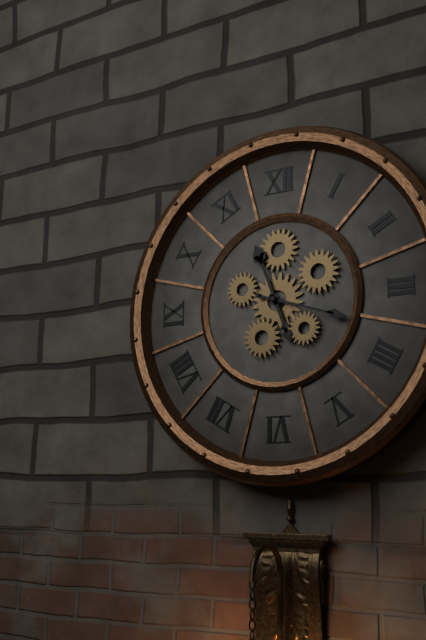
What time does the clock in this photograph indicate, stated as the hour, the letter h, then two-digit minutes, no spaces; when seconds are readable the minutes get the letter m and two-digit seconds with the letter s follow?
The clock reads 11h18
